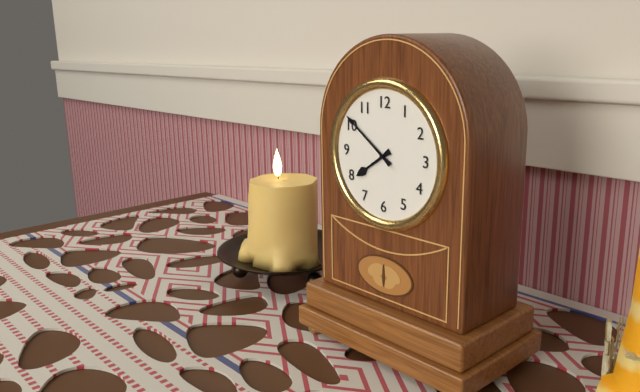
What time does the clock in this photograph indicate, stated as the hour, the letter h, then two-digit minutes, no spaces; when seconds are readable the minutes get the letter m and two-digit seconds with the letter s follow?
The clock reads 7h51
